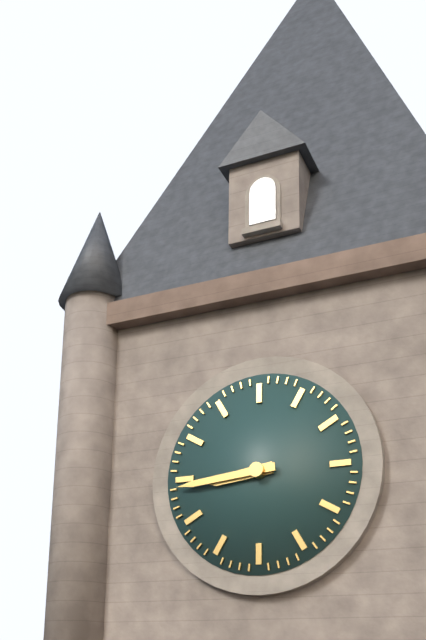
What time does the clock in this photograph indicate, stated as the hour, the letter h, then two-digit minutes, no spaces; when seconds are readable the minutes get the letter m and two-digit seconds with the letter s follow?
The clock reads 8h44
